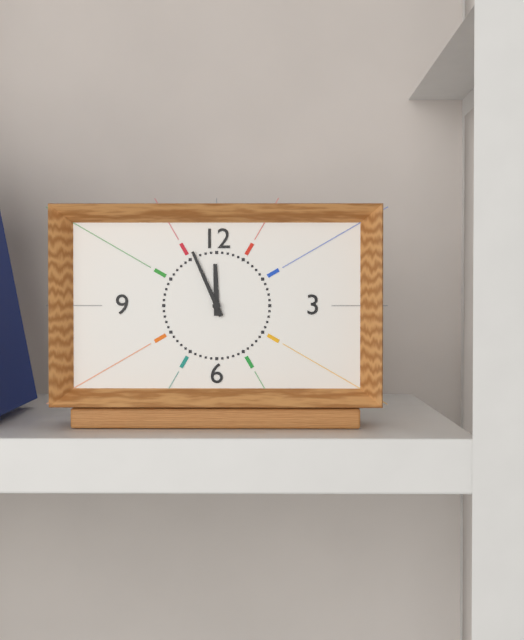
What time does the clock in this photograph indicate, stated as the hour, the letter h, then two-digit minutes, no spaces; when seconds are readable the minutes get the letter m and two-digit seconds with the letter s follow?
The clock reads 11h56
